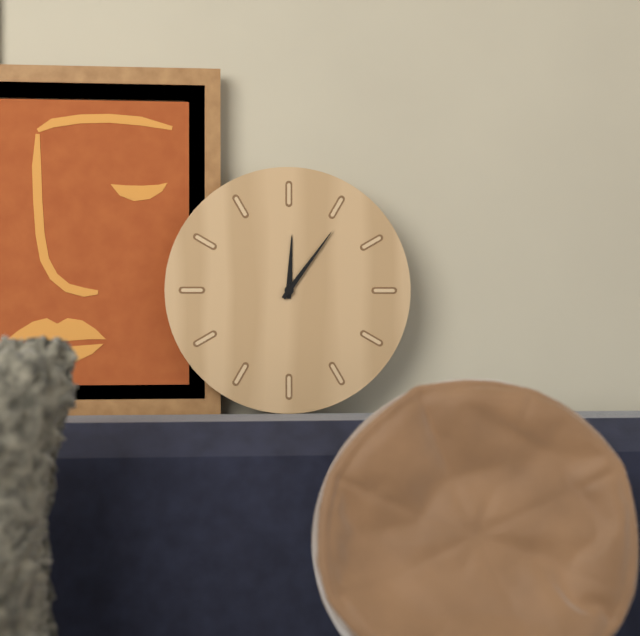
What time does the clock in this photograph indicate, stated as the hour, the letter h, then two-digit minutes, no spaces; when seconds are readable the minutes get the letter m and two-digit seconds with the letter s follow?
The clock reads 12h06
